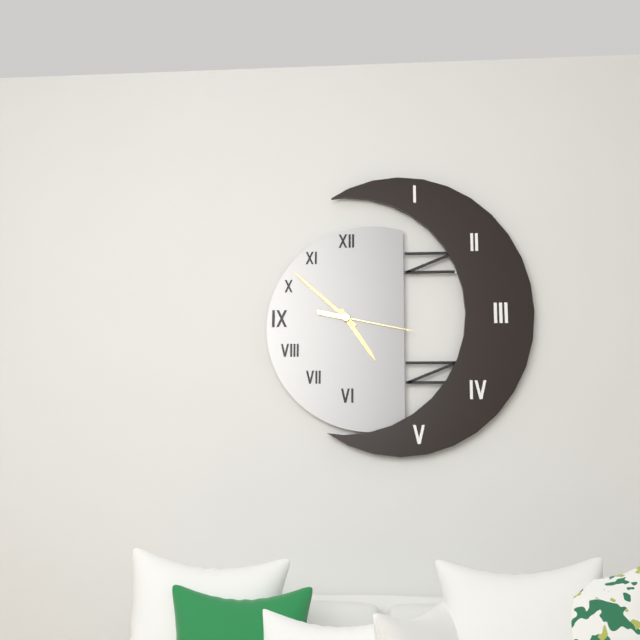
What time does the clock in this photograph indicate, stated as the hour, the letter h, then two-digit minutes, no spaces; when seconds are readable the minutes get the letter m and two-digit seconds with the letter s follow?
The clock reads 4h52m17s
